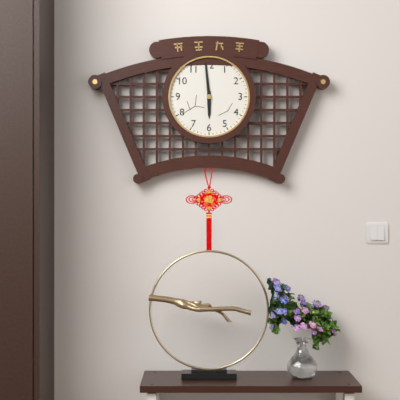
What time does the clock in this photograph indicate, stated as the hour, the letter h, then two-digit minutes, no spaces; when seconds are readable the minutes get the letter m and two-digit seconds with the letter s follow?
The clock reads 5h59
